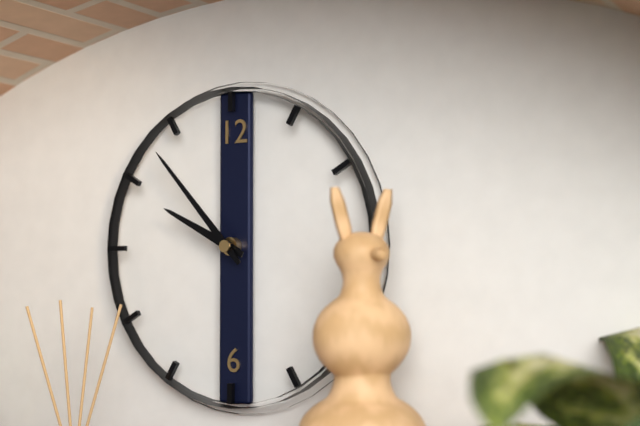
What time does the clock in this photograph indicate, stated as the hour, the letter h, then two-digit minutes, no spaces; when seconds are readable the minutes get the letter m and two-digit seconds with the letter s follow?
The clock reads 9h53
